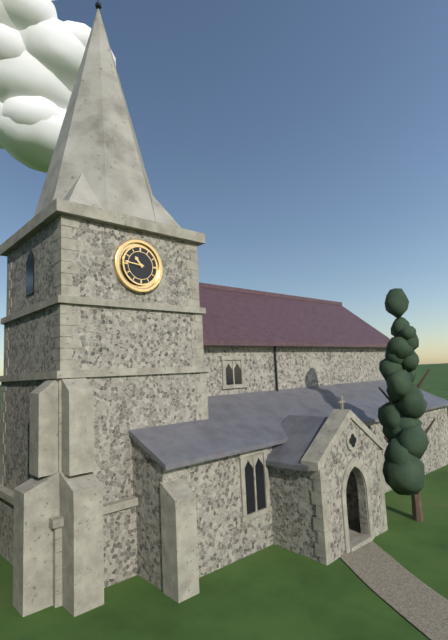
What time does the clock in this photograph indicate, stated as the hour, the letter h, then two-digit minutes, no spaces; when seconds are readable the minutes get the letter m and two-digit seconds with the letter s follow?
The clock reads 10h46
